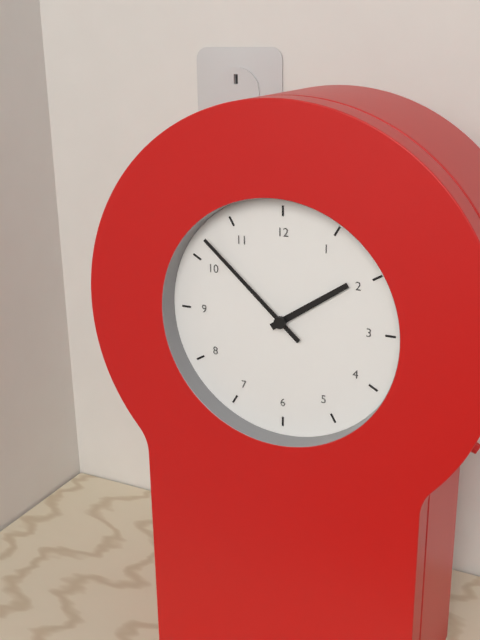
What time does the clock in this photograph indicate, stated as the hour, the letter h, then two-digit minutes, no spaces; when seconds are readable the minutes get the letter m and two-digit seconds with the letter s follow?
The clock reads 1h52
